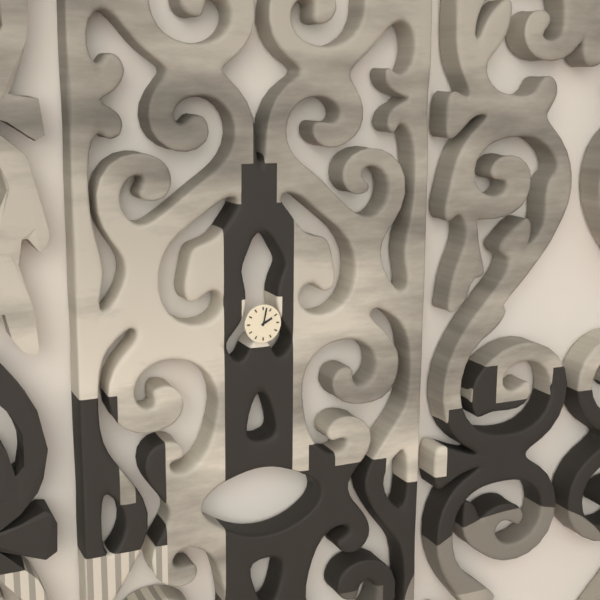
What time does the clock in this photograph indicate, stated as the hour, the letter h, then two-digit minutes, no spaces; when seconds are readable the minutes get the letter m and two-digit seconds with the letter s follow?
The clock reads 2h02
